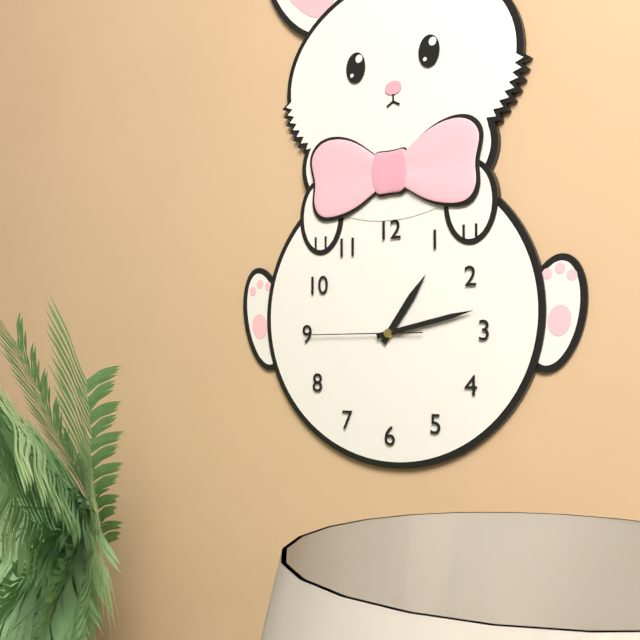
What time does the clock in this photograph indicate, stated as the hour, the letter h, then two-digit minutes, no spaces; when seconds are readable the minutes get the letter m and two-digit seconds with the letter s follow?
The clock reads 1h13m45s
